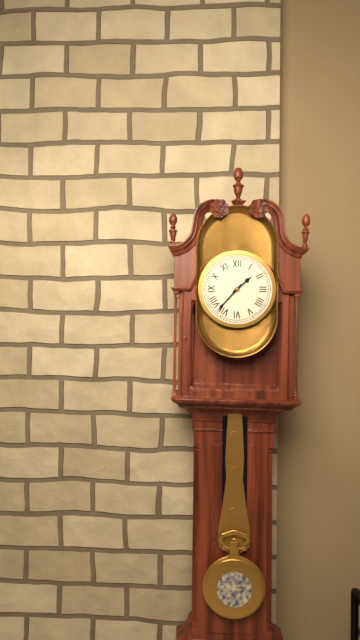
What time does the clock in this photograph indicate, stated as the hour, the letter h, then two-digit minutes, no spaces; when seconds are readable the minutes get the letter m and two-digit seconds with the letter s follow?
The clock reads 1h37
